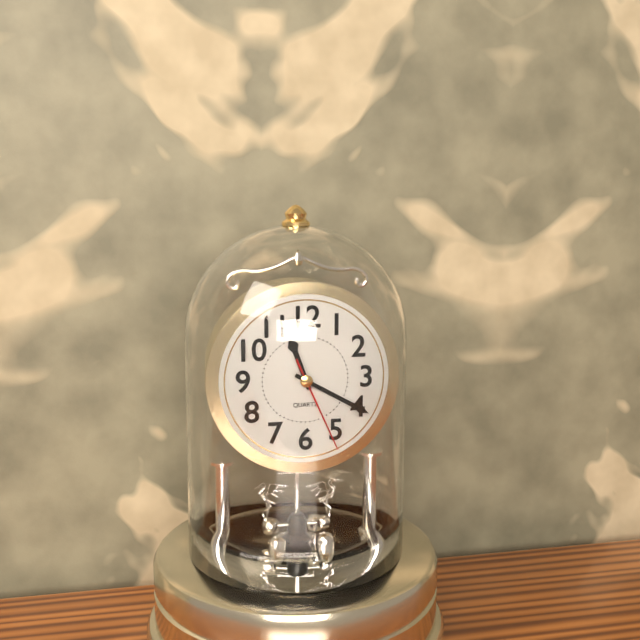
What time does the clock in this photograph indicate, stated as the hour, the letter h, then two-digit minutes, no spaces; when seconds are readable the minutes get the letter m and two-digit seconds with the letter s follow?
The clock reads 11h20m26s
